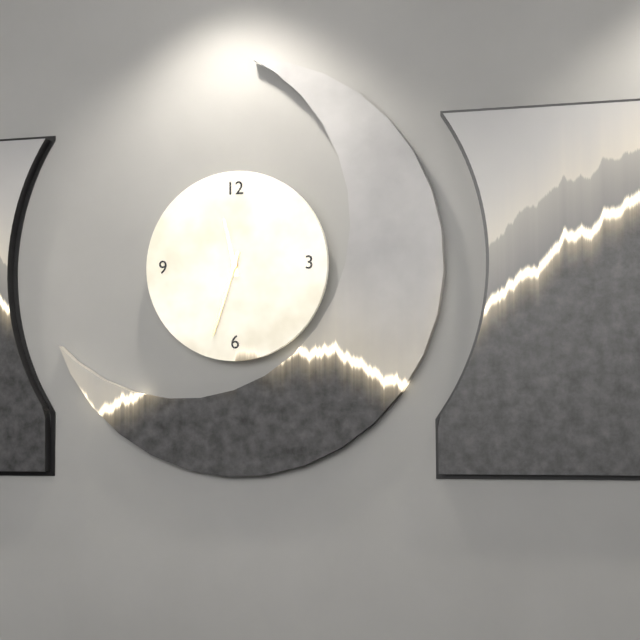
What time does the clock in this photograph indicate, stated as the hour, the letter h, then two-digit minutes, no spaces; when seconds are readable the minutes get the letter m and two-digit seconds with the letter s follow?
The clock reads 11h33
